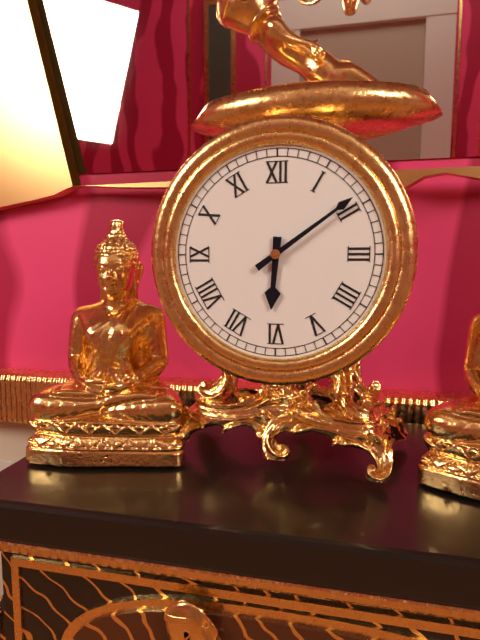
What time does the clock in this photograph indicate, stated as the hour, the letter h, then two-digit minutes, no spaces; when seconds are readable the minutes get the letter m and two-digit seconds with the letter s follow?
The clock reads 6h09
